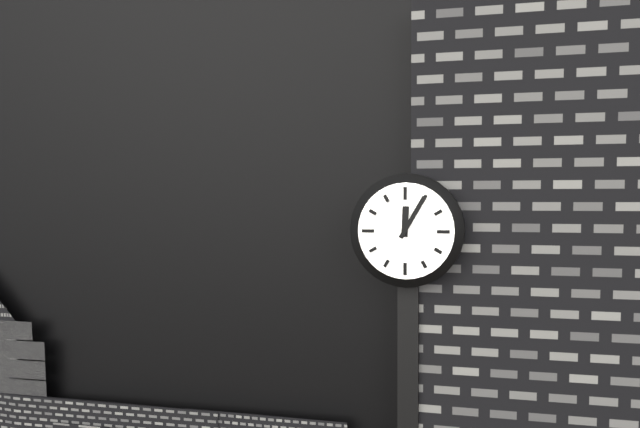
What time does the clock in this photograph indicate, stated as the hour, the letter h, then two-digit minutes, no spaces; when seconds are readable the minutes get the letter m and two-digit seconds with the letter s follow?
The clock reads 12h05
